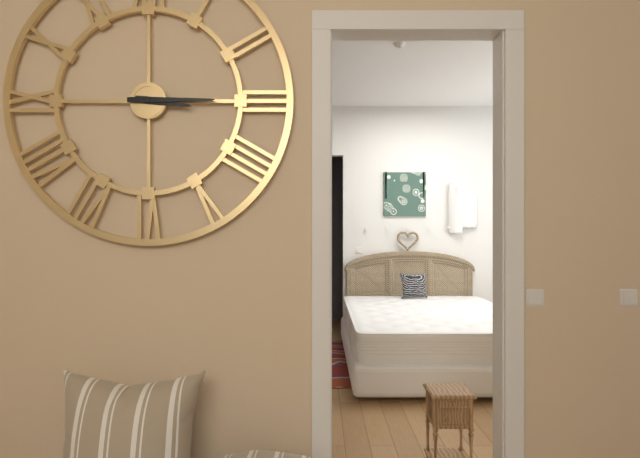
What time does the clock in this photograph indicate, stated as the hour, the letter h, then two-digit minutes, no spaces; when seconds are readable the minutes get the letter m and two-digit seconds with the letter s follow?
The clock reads 3h15
